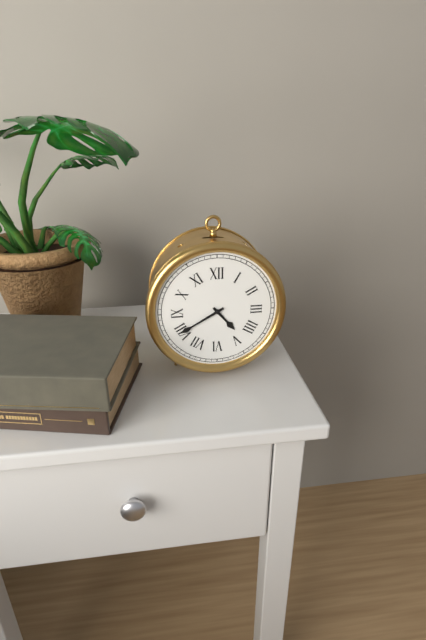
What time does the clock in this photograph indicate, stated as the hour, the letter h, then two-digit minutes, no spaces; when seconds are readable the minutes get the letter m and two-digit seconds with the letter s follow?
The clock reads 4h40
